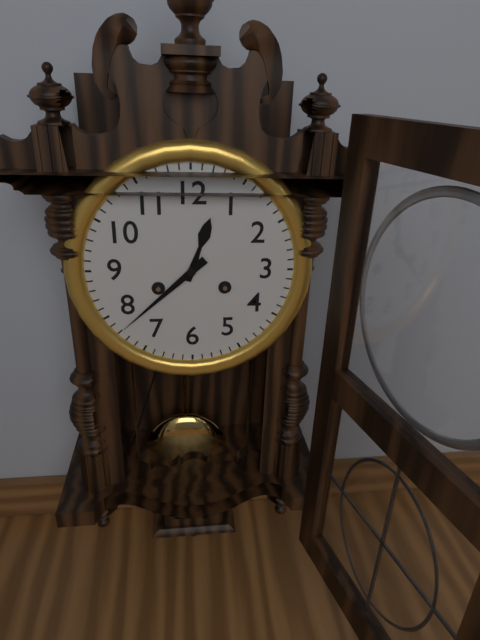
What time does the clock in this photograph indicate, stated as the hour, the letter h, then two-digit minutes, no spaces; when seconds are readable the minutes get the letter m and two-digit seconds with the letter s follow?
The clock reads 12h38
